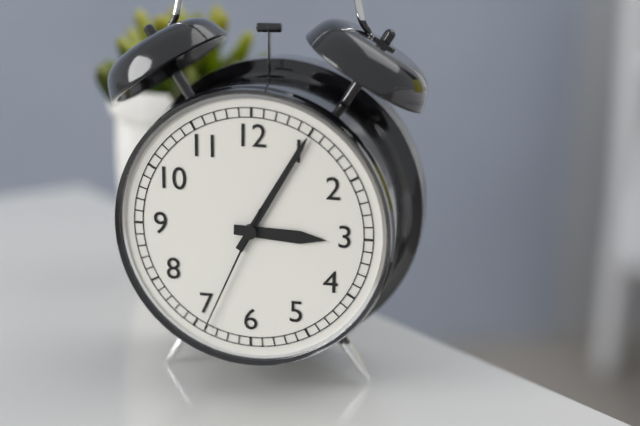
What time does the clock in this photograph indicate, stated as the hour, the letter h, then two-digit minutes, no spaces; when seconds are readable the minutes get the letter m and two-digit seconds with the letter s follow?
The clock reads 3h05m34s
